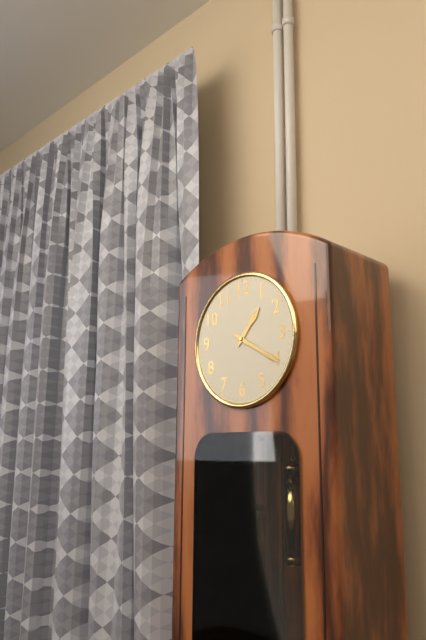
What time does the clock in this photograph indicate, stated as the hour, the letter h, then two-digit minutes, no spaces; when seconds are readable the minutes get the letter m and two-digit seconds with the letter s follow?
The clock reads 1h20
